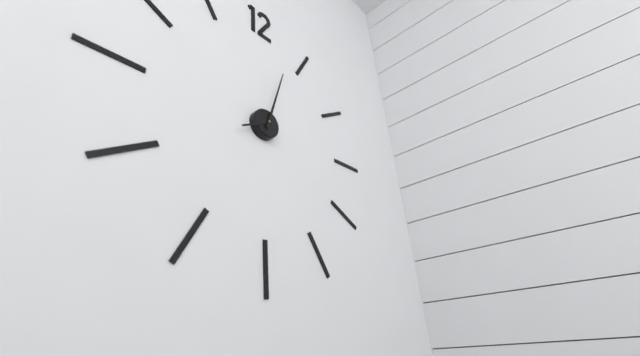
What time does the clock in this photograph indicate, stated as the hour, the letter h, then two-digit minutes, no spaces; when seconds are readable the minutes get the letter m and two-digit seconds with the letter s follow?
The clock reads 8h03
